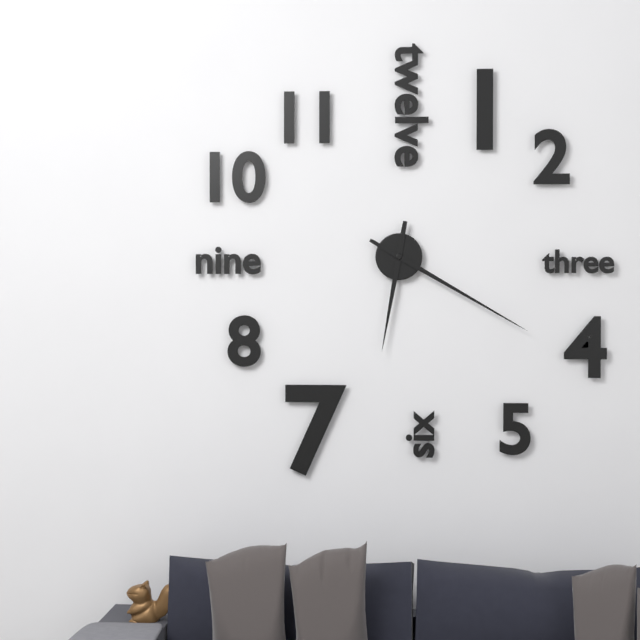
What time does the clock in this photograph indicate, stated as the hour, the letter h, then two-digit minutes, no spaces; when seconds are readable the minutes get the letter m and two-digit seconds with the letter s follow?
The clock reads 6h20
